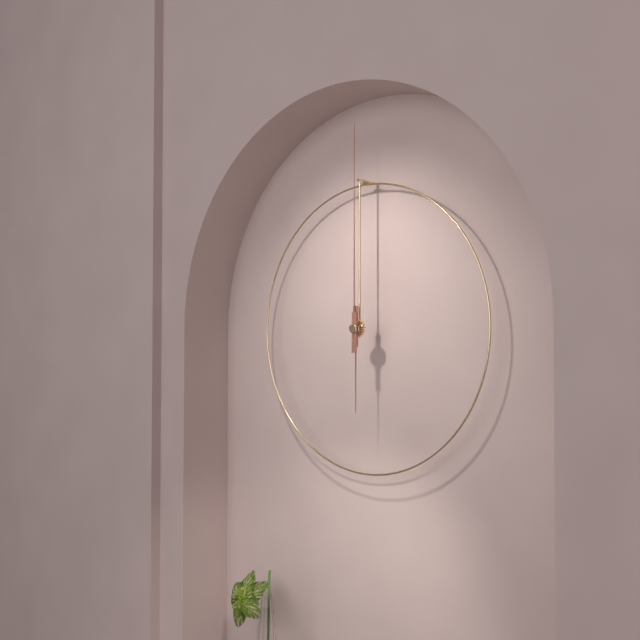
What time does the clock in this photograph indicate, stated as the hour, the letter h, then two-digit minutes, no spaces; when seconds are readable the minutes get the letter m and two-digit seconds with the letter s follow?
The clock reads 6h00
